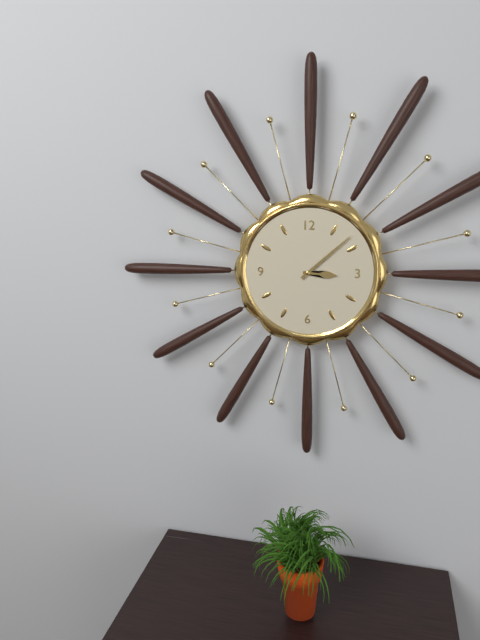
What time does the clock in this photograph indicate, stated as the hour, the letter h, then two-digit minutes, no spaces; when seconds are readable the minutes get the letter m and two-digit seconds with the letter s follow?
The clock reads 3h08
